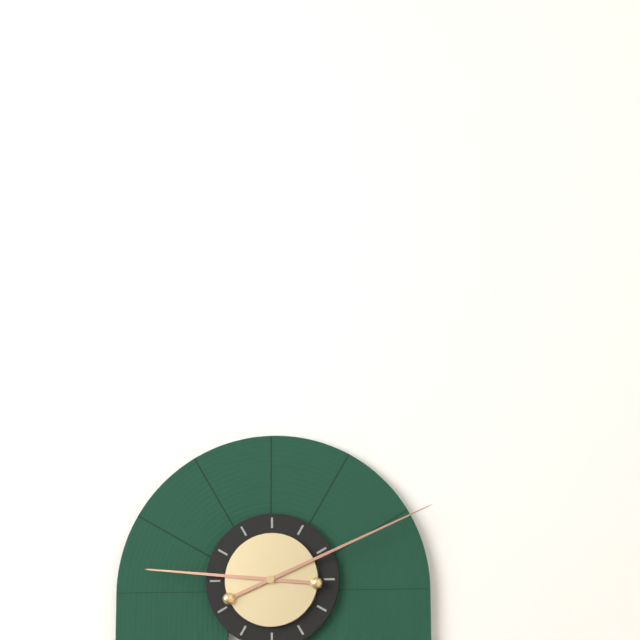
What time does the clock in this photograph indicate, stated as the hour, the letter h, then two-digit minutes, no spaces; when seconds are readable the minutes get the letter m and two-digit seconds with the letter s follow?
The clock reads 9h11
